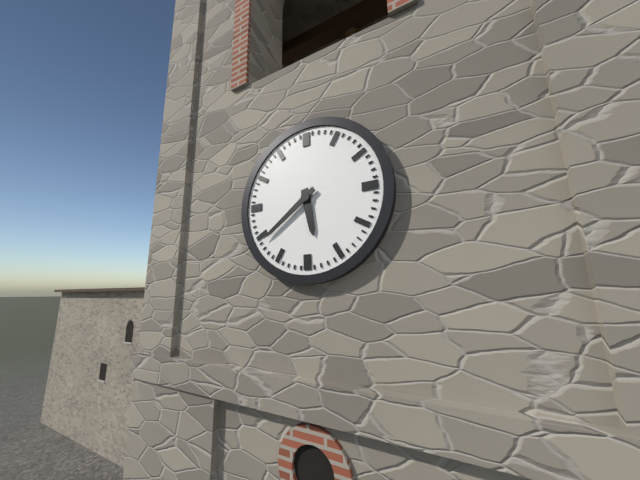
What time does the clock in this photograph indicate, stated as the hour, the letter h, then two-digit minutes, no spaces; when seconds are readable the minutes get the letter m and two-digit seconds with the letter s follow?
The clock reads 5h39
